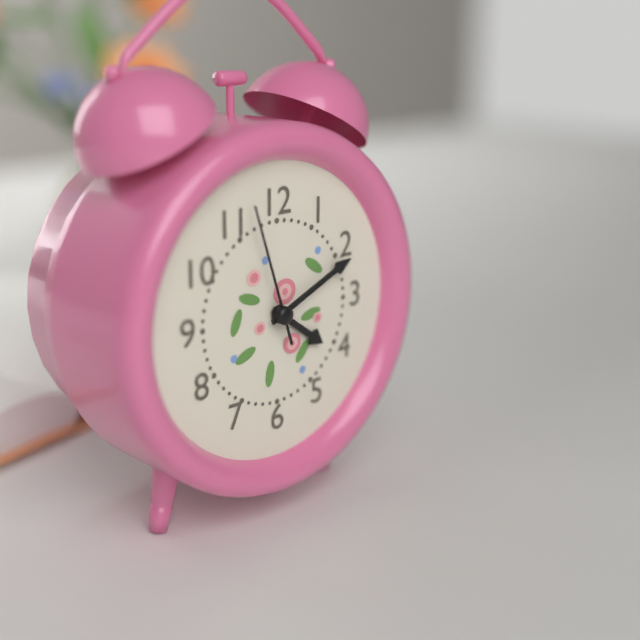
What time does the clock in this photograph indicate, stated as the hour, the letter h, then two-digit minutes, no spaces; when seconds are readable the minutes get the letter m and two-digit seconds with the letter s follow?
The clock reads 4h11m57s
